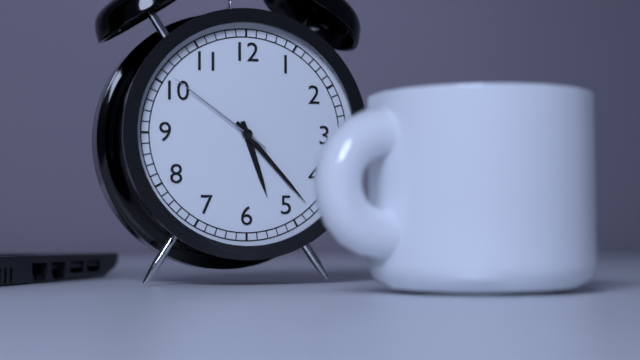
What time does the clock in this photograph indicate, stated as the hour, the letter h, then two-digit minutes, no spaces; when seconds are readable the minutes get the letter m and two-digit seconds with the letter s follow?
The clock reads 5h23m51s
